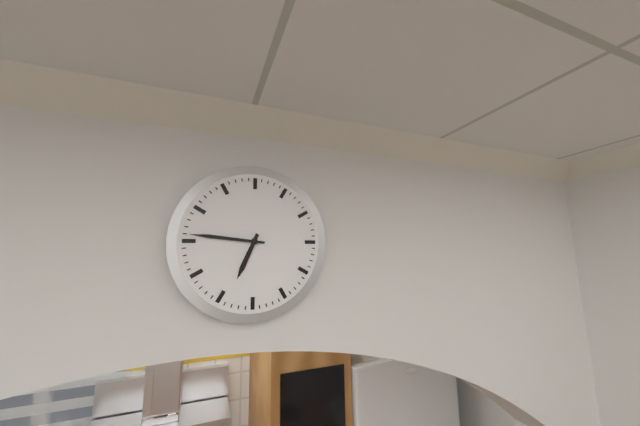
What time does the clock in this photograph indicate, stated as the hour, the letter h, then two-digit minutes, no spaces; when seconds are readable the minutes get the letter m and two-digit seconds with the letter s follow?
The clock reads 6h46
